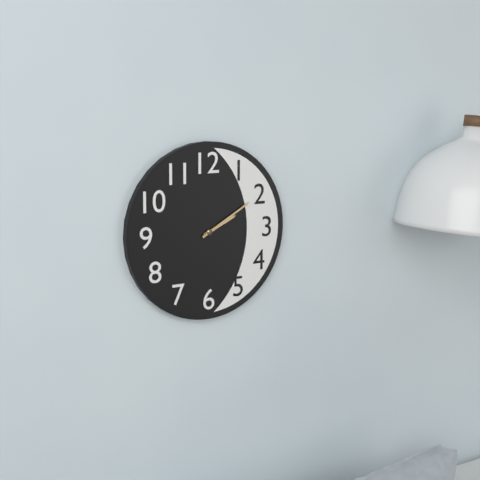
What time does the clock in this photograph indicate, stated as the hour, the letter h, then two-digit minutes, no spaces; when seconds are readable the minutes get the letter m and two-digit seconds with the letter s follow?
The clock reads 2h10
